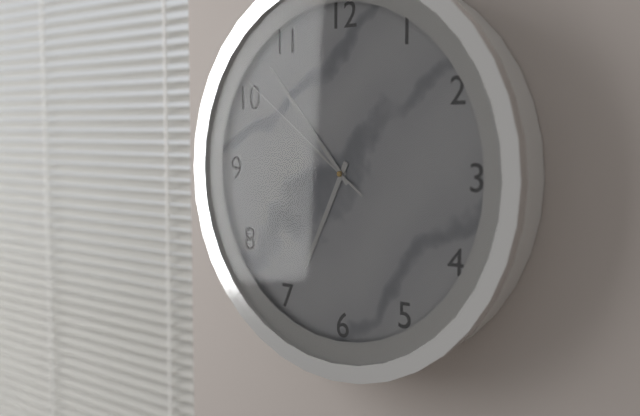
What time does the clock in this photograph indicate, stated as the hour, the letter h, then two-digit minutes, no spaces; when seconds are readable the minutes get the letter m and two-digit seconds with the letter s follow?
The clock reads 6h53m51s
